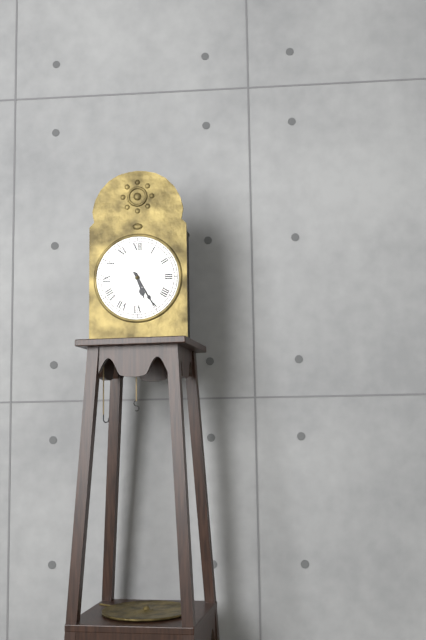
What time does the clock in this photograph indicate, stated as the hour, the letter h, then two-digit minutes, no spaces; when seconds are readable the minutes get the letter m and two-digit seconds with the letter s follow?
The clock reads 5h25
